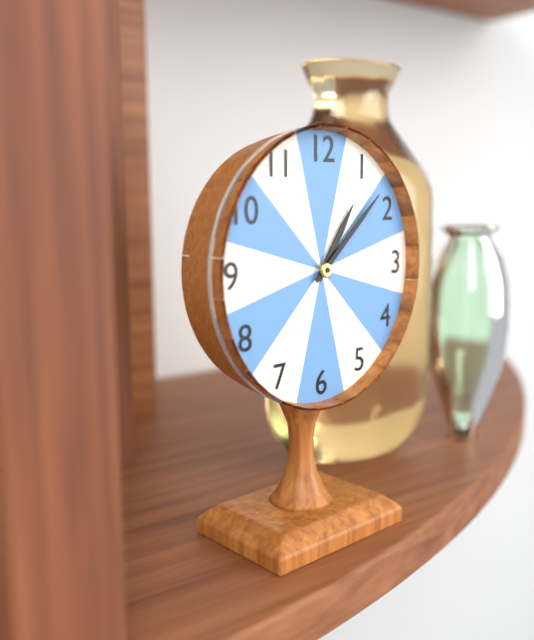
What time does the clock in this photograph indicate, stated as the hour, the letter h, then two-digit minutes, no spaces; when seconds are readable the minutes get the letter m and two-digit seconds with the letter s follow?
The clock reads 1h08
